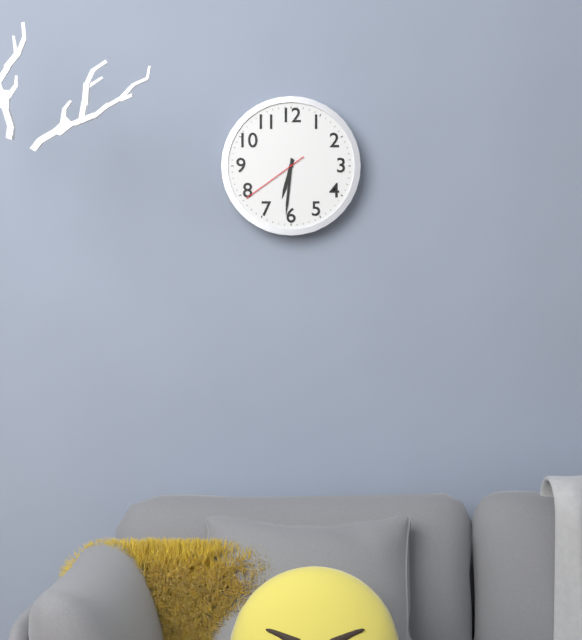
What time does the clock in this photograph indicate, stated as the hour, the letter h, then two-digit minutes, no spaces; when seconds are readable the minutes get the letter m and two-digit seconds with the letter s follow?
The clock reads 6h31m39s
